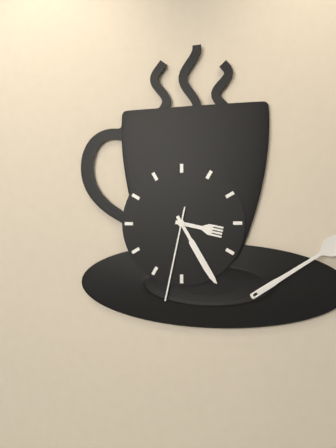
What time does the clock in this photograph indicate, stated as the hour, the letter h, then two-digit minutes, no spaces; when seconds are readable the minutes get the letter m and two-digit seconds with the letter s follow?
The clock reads 3h25m32s
